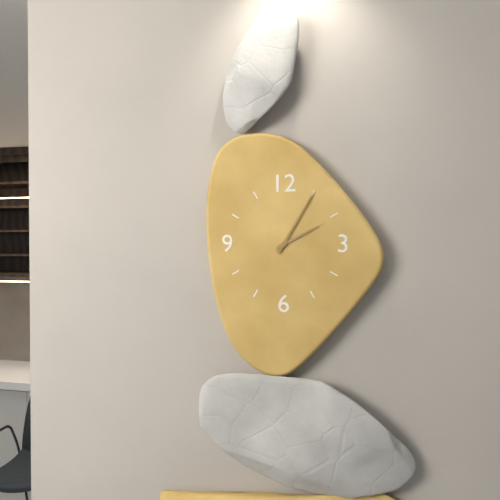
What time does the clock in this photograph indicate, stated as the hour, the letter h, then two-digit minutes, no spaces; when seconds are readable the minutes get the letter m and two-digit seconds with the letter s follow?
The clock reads 2h05
